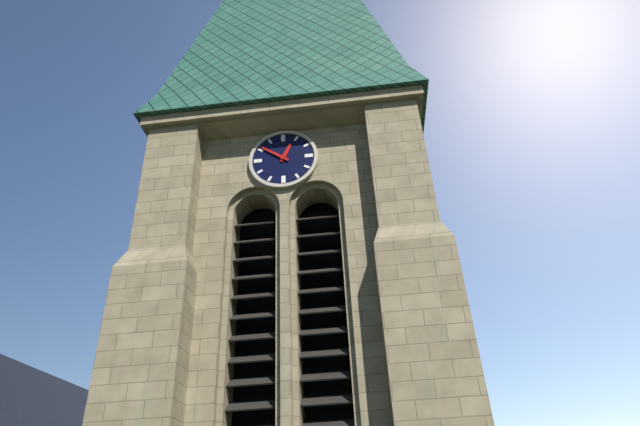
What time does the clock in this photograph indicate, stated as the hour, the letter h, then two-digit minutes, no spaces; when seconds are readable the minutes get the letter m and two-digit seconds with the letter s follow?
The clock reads 12h51
